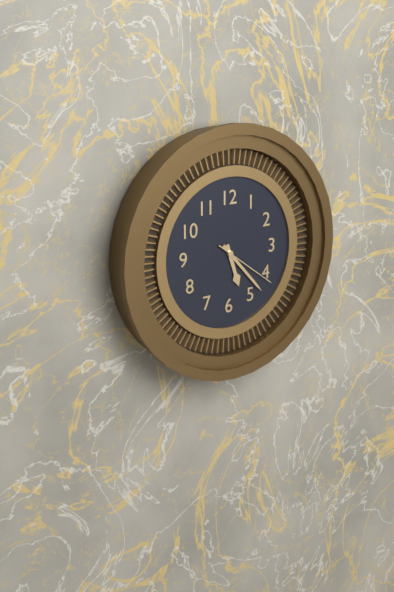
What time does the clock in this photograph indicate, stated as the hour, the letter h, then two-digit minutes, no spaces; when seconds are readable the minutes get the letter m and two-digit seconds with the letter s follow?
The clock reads 5h23m21s
